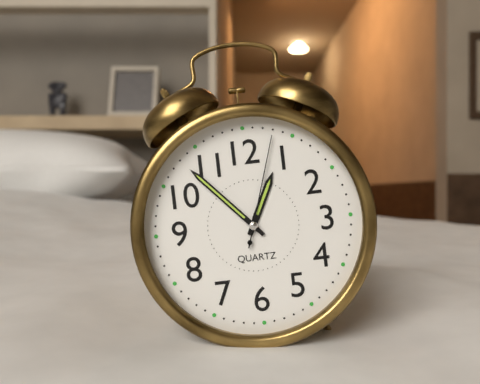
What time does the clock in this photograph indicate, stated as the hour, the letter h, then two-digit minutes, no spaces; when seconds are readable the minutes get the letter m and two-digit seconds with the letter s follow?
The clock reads 12h53m03s
